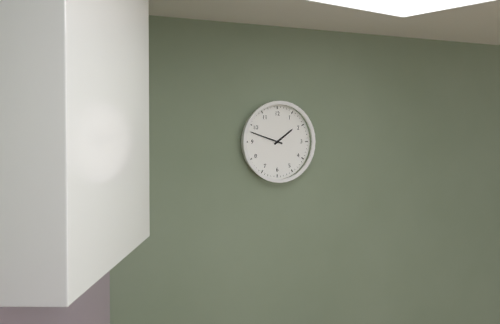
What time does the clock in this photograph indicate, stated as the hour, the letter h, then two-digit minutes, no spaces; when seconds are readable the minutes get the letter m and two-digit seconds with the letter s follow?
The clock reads 1h48
